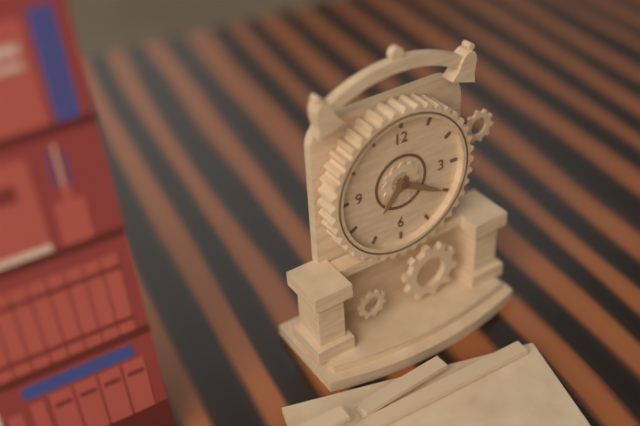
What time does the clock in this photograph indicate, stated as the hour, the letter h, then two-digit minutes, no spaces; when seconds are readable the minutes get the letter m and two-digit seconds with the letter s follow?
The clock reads 7h20
